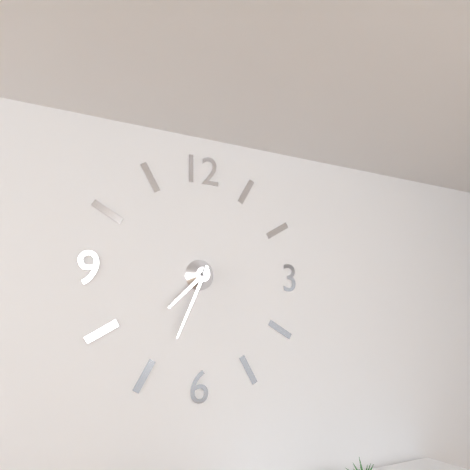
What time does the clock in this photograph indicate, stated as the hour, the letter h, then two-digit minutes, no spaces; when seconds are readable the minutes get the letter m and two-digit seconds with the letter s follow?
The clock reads 7h34
